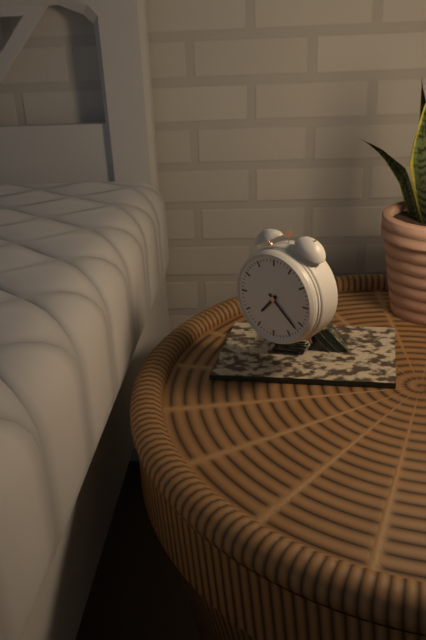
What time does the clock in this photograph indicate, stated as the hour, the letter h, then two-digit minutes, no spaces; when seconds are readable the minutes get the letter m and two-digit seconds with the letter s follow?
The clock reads 7h22
